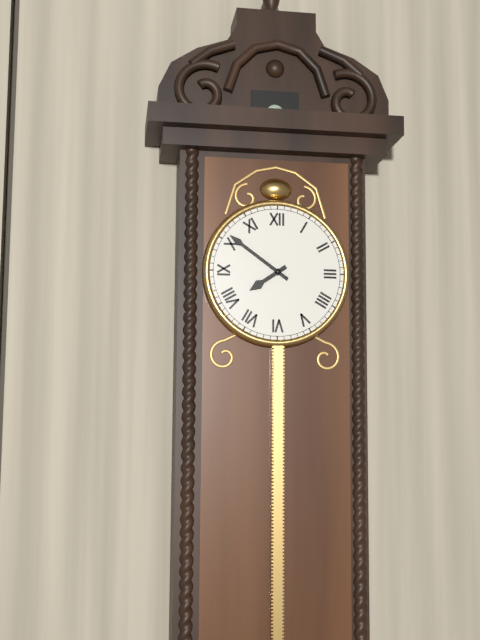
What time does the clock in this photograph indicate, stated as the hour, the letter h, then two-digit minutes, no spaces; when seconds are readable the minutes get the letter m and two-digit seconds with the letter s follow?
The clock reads 7h51
